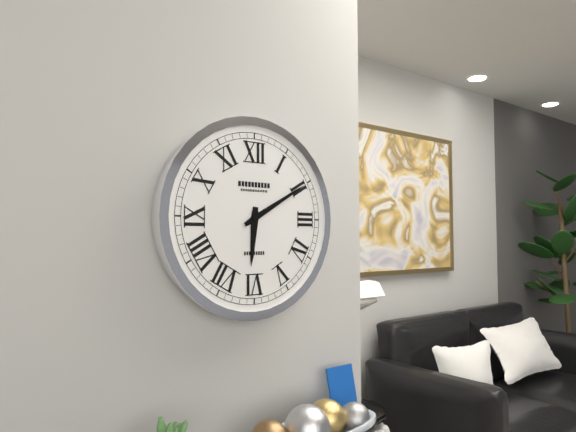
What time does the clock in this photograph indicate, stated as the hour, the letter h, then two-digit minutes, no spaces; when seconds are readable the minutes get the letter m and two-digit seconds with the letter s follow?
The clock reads 6h10
